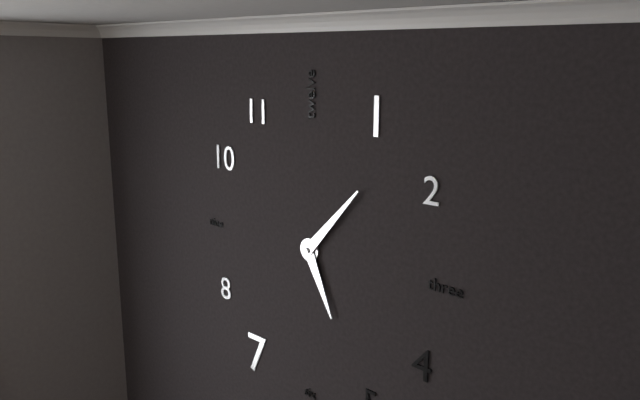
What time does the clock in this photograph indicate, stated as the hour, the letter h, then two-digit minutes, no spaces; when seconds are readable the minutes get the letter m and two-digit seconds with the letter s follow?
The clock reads 5h07
